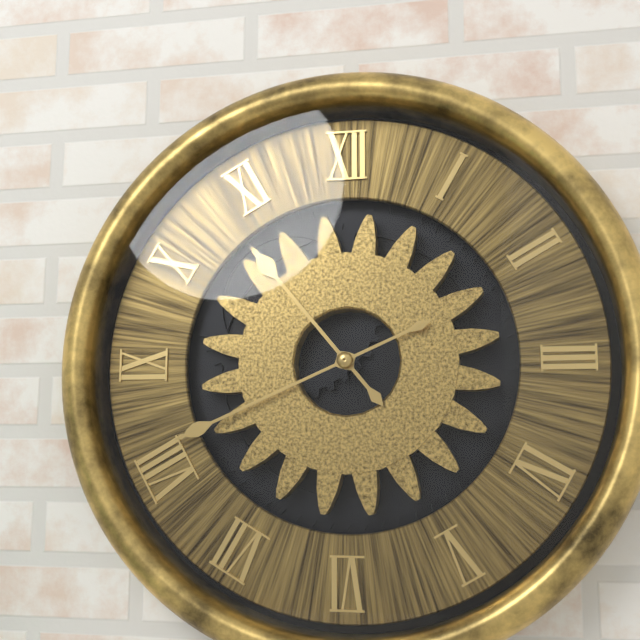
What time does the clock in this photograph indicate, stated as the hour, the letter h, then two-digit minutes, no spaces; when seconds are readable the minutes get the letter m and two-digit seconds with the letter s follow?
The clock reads 10h41
